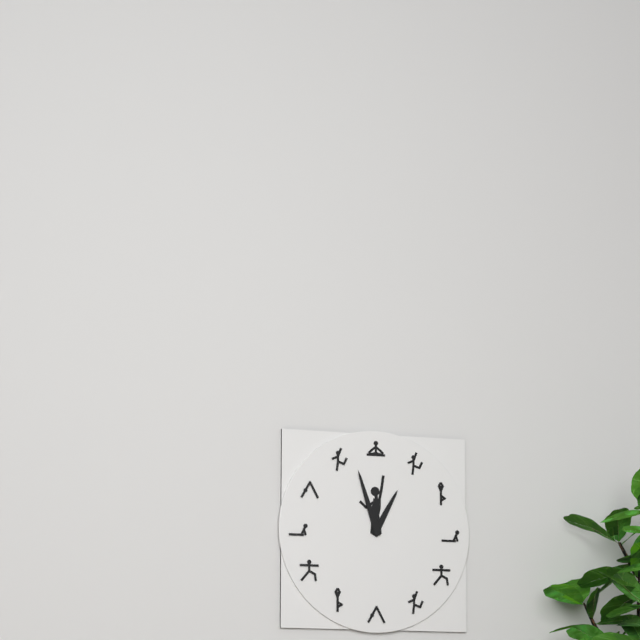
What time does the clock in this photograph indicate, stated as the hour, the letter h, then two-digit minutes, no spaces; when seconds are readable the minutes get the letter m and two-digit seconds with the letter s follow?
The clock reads 12h57
